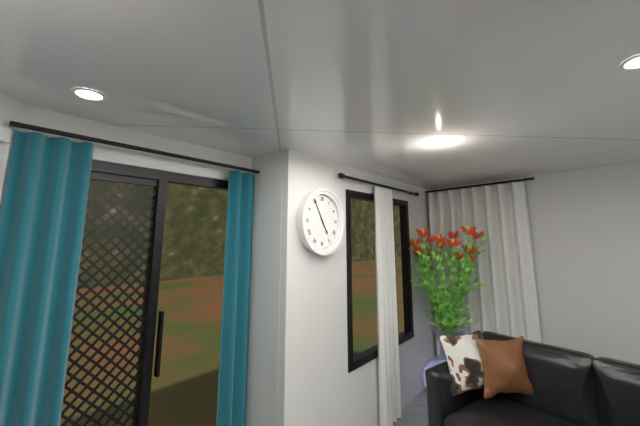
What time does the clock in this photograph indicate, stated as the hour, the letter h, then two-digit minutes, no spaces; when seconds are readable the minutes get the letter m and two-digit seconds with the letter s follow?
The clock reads 4h55
